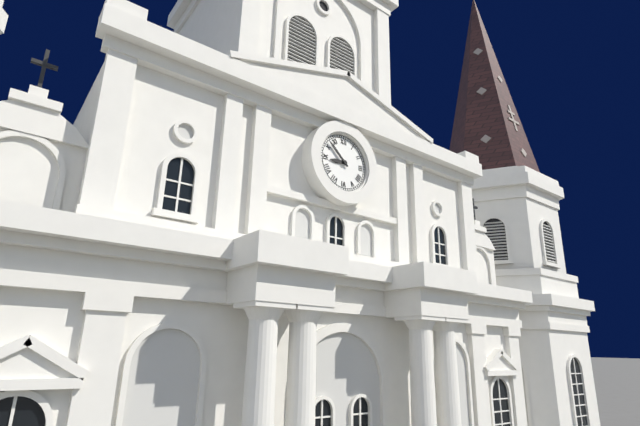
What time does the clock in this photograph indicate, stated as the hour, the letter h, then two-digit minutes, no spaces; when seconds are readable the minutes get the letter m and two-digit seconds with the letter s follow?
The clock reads 8h52
